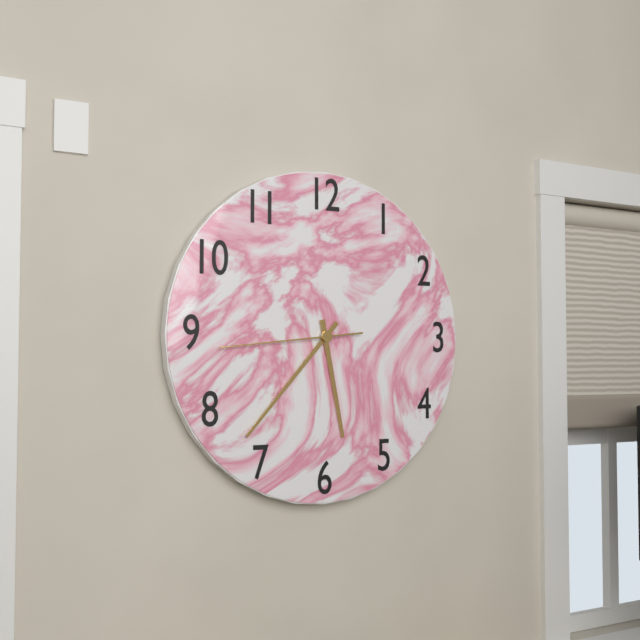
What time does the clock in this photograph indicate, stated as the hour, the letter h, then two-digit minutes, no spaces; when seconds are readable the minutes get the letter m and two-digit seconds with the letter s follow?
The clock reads 5h37m44s
